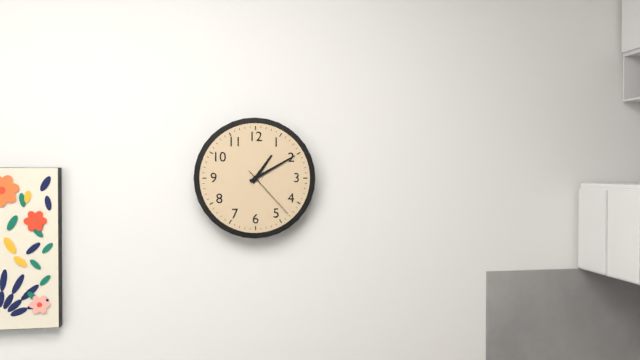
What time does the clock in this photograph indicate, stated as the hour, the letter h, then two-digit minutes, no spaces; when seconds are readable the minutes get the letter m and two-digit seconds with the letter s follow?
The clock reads 1h10m23s
